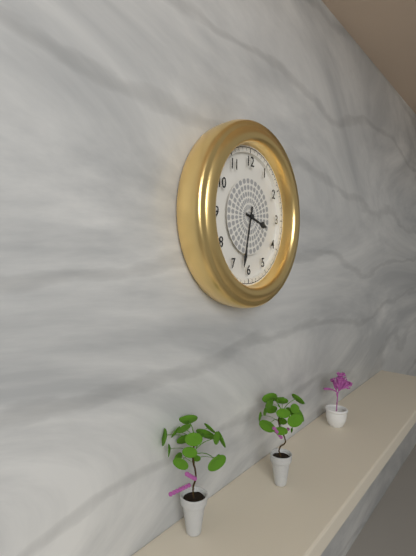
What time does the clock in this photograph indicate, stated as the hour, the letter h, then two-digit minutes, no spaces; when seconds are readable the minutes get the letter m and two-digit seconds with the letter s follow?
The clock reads 3h32
